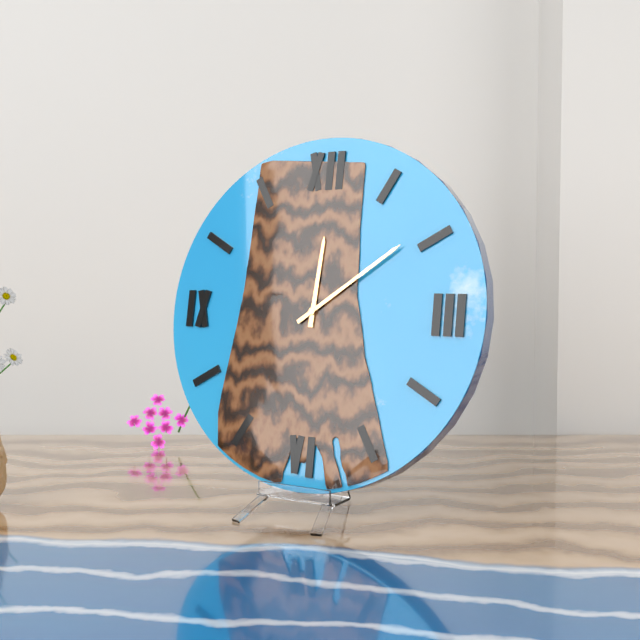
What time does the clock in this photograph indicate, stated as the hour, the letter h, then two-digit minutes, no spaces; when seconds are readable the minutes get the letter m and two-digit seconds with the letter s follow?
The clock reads 12h09
